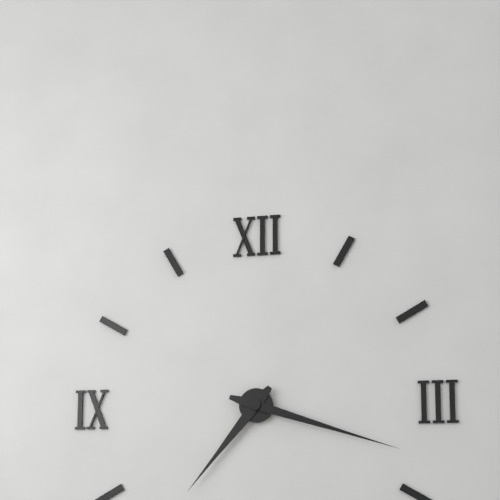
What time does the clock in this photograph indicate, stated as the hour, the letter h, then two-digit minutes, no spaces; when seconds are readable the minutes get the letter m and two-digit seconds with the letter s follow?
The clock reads 7h18
